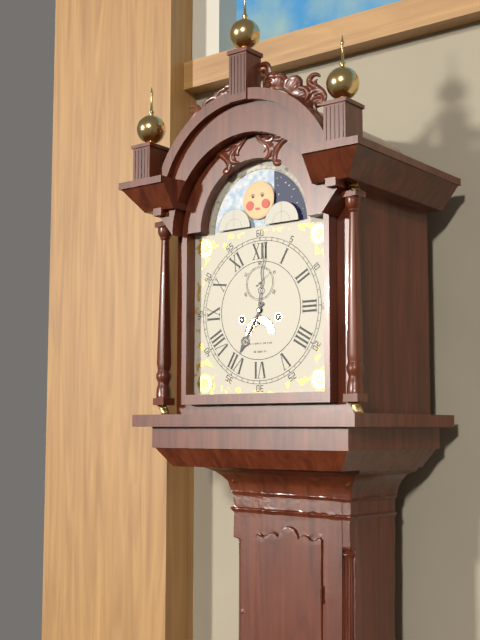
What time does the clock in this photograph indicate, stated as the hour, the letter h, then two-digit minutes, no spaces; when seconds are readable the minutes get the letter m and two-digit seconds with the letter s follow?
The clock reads 7h01
